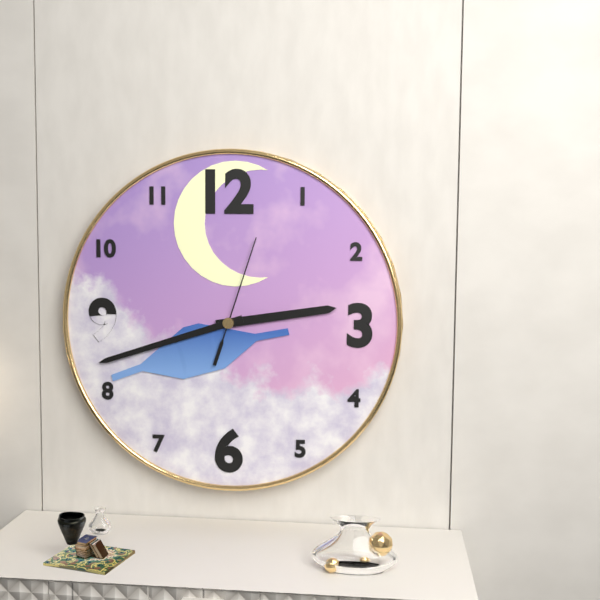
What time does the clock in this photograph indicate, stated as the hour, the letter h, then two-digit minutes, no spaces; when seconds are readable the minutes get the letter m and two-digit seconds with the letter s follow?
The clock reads 2h42m03s
